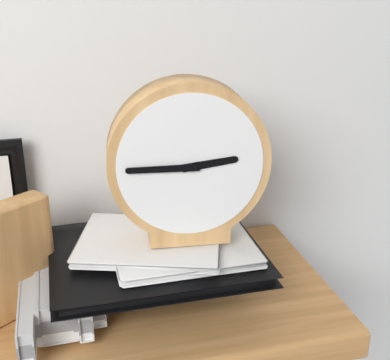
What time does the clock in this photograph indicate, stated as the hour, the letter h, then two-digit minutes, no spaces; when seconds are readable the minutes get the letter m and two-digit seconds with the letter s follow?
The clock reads 2h45
